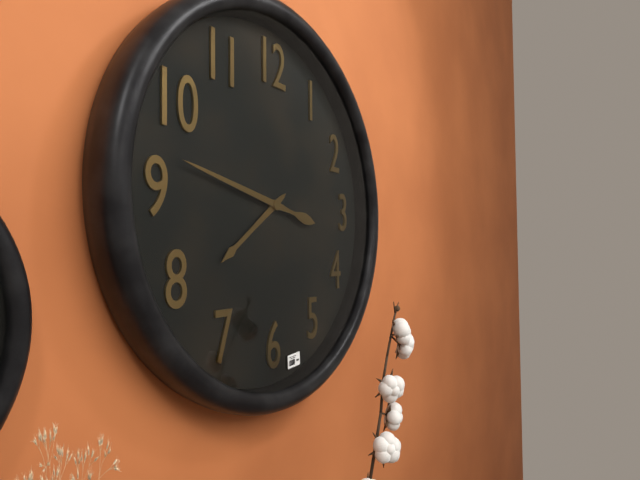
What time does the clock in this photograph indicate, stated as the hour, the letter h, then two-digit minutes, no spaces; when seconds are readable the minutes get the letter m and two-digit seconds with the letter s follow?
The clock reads 7h47
